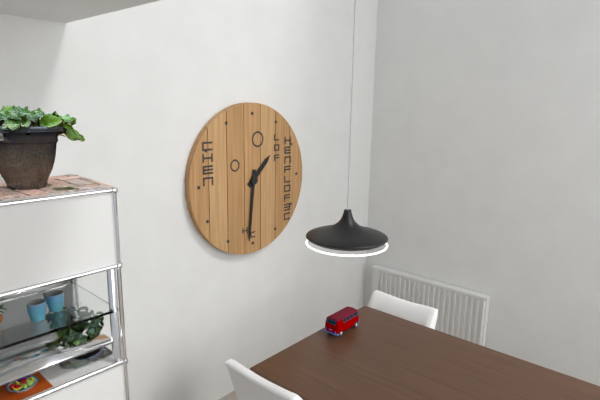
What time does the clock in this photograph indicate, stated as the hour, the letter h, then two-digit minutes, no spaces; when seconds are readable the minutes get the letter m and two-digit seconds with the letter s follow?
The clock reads 1h31
